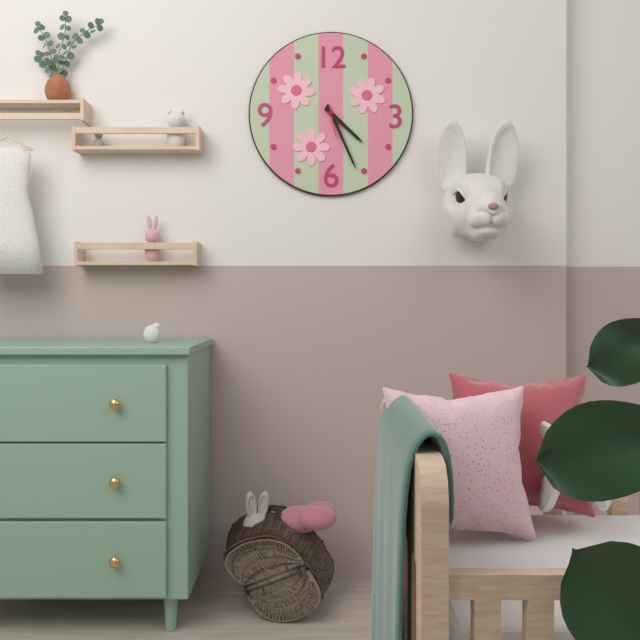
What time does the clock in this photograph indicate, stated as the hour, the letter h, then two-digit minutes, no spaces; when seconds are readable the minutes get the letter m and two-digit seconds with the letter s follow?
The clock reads 4h26
